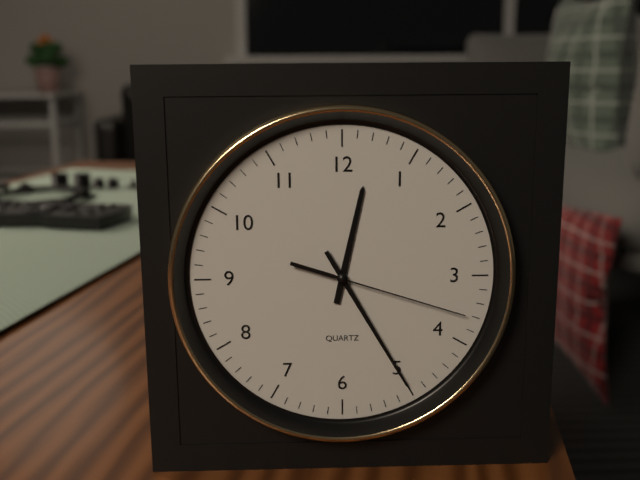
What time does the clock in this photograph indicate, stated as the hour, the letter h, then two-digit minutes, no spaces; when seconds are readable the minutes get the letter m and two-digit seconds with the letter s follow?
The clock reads 12h25m18s
